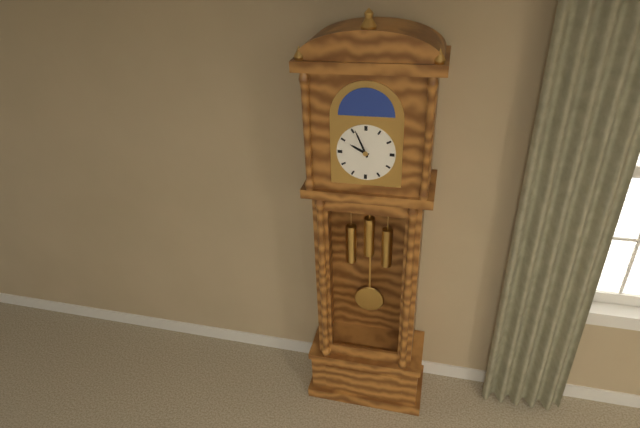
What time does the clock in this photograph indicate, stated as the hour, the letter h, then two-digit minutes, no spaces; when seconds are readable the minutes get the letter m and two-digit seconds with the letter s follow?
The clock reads 9h56
